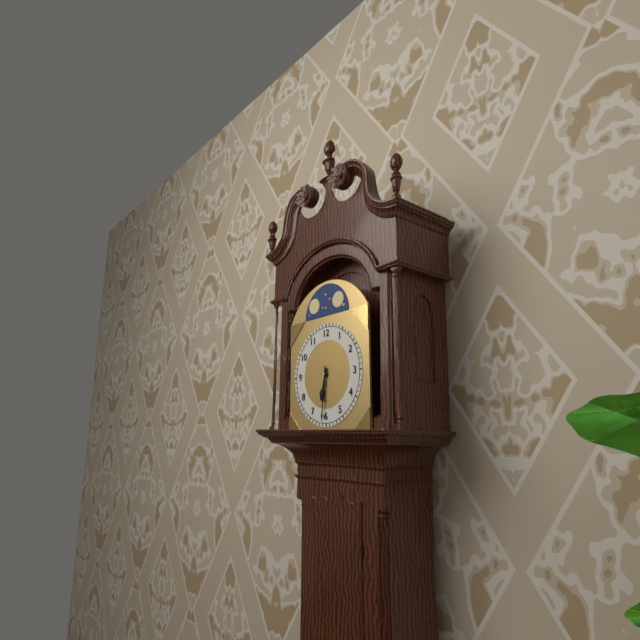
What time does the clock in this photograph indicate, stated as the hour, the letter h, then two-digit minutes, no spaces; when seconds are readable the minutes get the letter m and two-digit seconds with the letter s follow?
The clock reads 6h31
